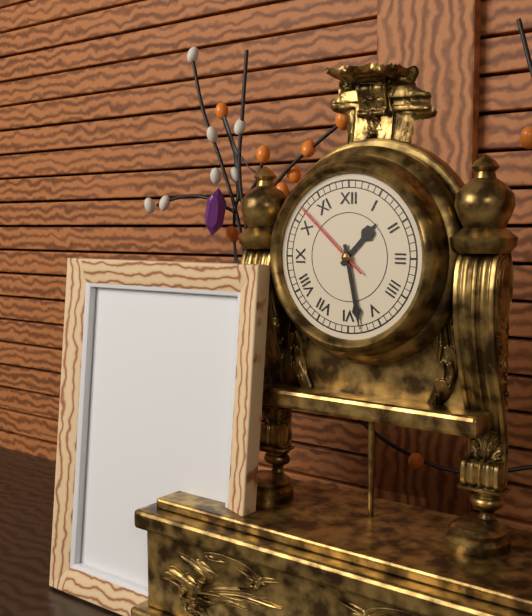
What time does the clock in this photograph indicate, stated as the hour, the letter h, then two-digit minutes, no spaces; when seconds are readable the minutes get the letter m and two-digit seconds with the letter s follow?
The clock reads 1h28m52s
